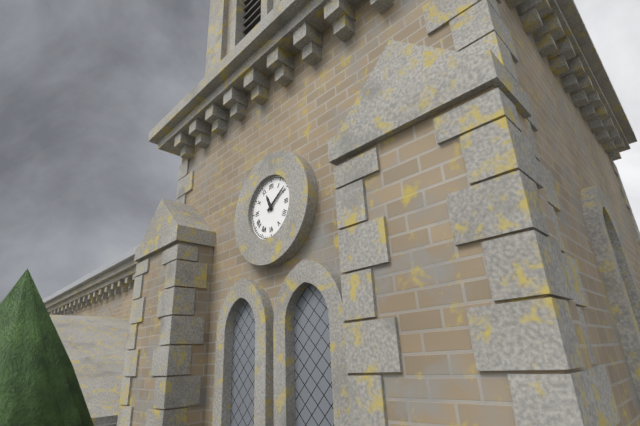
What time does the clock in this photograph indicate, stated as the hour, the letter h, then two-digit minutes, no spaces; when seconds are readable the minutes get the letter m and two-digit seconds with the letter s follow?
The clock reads 11h09
